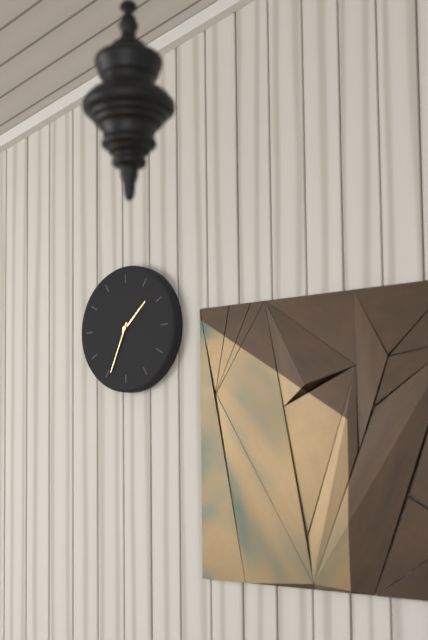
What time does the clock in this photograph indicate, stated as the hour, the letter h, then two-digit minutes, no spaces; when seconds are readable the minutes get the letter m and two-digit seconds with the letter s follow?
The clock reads 1h34
